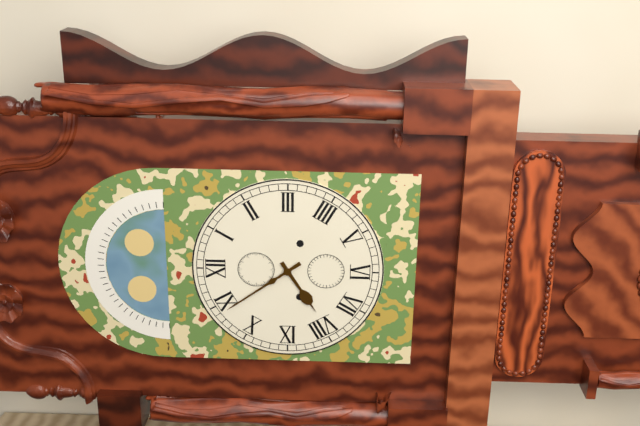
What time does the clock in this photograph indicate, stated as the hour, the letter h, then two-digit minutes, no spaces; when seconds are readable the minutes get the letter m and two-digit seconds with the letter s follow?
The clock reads 7h54
